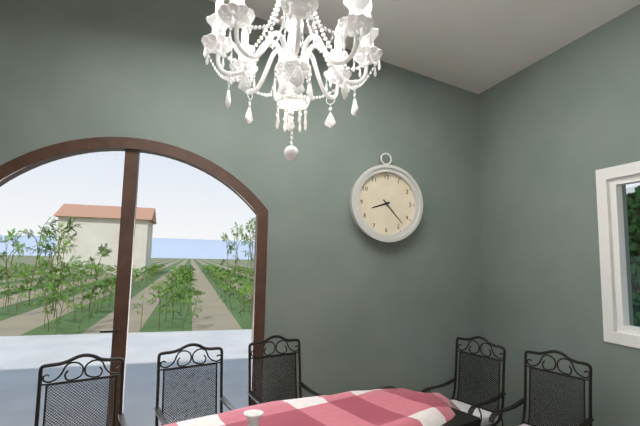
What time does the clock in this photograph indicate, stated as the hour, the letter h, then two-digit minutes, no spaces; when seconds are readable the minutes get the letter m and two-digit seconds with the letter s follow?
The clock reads 8h23
